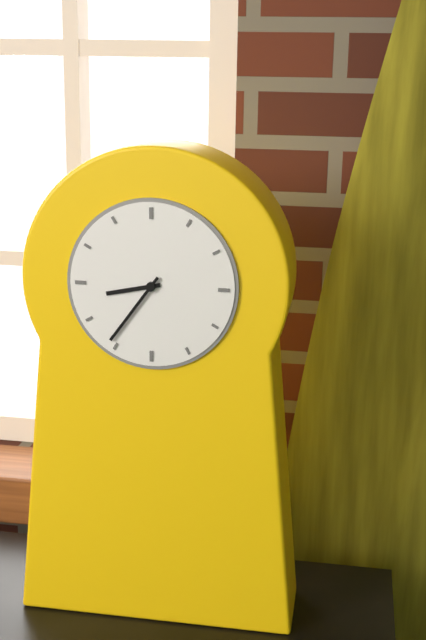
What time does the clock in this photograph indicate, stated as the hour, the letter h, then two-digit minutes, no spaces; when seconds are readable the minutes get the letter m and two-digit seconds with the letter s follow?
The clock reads 8h36
